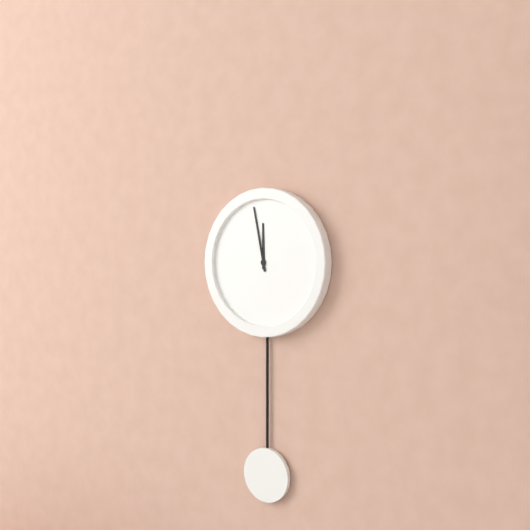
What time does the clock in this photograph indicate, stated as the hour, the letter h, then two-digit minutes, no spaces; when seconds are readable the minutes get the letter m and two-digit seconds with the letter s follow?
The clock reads 11h58
